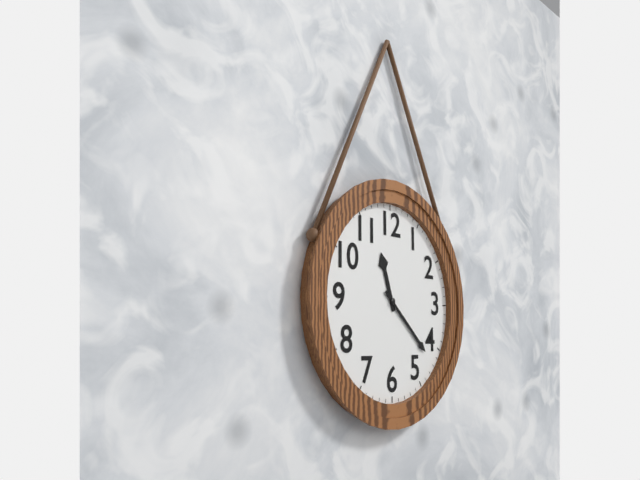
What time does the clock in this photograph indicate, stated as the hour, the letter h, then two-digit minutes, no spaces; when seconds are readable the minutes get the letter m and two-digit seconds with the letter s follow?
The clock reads 11h22
